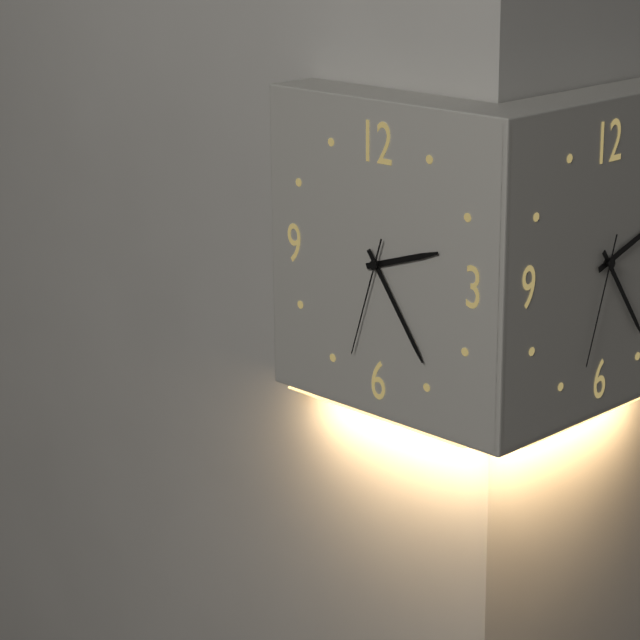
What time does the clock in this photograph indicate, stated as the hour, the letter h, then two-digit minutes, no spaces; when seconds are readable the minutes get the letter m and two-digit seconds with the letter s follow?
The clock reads 2h24m33s
